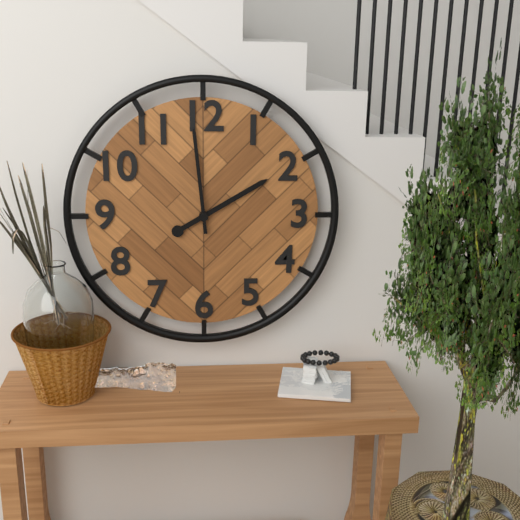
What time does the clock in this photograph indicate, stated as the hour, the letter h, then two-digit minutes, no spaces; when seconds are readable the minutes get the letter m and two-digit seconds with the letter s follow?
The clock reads 1h59
